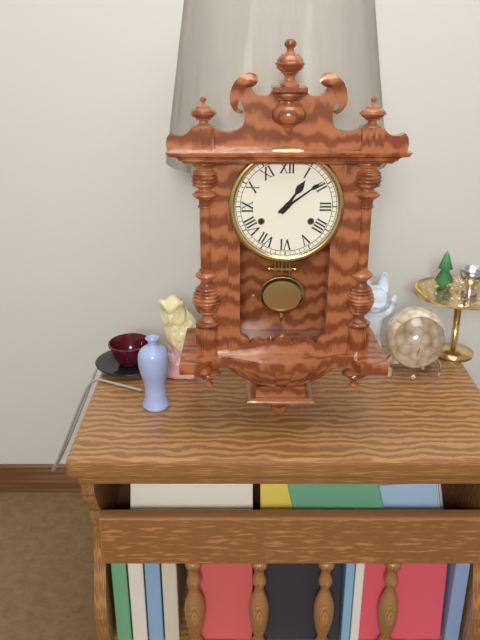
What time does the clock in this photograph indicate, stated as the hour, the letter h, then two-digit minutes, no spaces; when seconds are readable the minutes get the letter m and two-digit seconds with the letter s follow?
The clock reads 1h09
